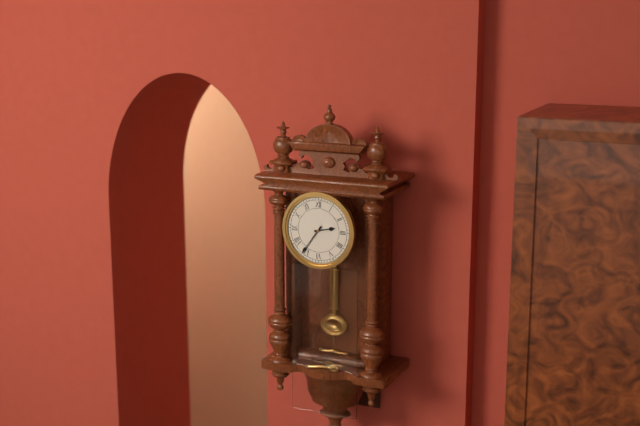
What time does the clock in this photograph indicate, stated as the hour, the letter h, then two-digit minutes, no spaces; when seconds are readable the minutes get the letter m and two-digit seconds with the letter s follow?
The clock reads 2h36
